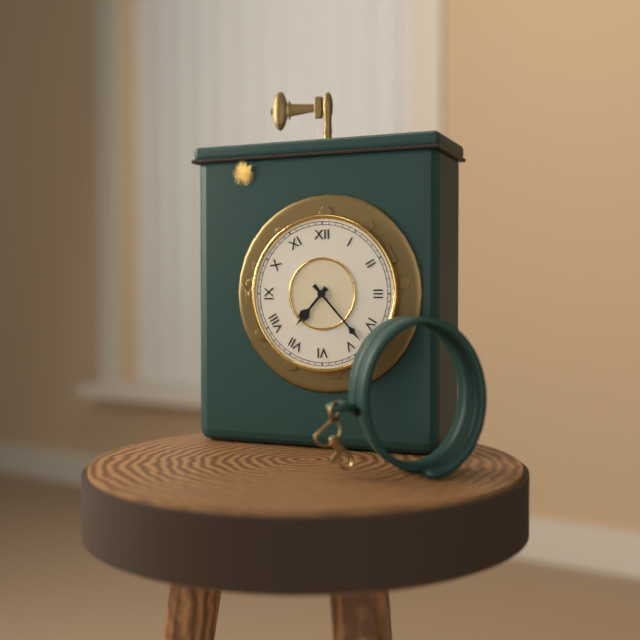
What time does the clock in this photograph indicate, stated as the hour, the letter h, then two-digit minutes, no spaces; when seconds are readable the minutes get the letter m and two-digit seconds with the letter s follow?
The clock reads 7h23
